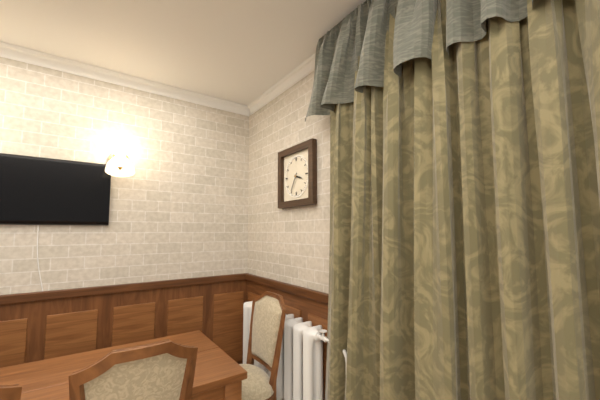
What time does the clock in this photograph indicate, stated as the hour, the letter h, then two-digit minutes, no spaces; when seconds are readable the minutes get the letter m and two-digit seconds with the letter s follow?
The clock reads 3h35
